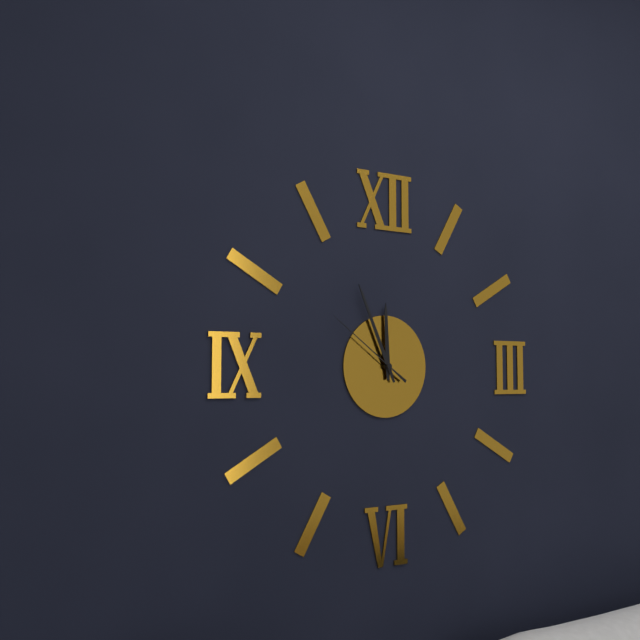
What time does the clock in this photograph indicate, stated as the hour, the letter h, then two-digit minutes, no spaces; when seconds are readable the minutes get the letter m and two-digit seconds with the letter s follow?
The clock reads 11h56m51s
